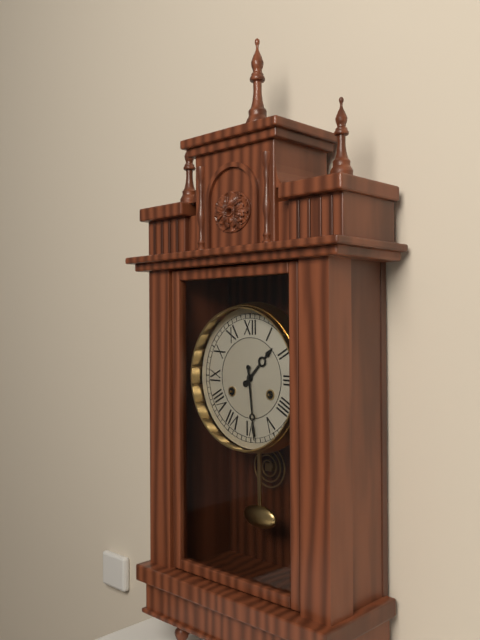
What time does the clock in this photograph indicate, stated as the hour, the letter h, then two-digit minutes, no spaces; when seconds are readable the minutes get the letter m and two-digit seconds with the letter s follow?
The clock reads 1h29
